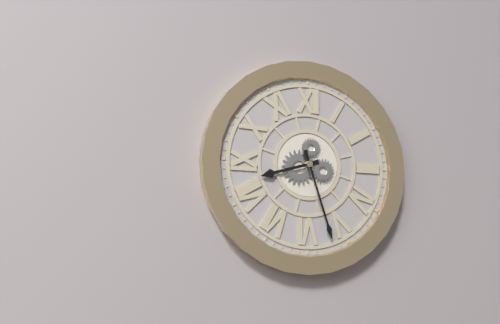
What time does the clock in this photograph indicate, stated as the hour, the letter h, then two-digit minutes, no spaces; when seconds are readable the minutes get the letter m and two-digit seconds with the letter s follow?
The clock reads 8h27
